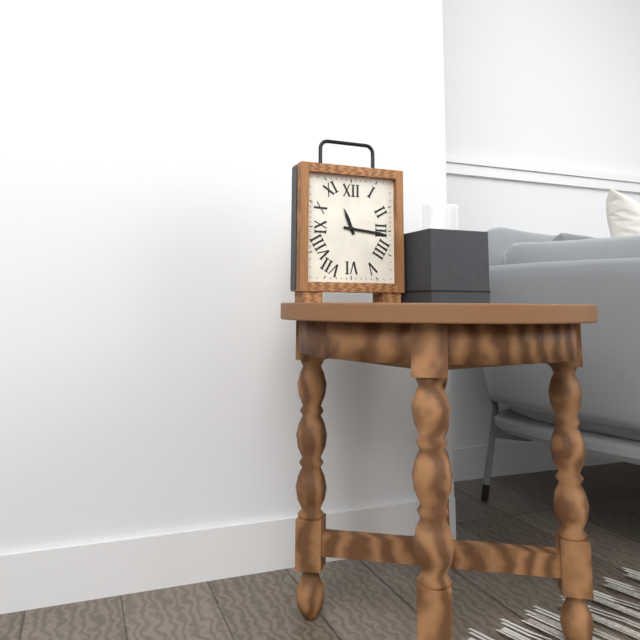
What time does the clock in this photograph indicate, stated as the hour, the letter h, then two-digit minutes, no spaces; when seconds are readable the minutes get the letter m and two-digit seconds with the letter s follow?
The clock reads 11h16
